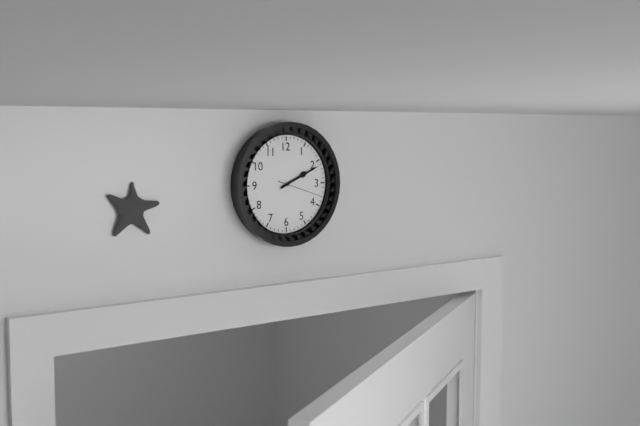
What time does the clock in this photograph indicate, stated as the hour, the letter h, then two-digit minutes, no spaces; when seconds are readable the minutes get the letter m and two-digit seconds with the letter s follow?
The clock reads 2h11
